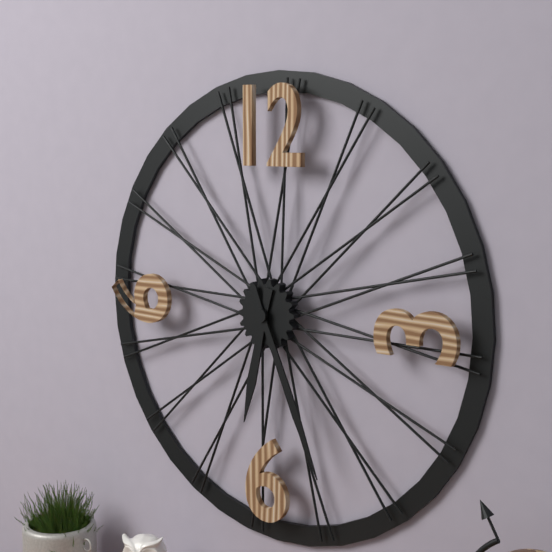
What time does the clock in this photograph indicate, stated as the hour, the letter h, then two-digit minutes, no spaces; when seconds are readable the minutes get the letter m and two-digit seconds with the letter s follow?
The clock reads 6h26
